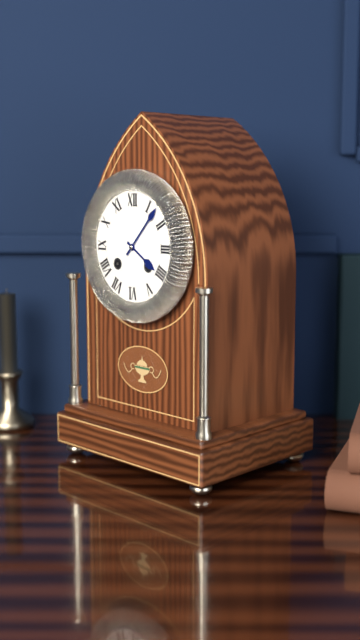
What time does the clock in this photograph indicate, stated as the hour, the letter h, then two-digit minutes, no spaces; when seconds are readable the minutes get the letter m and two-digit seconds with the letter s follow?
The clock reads 4h07
